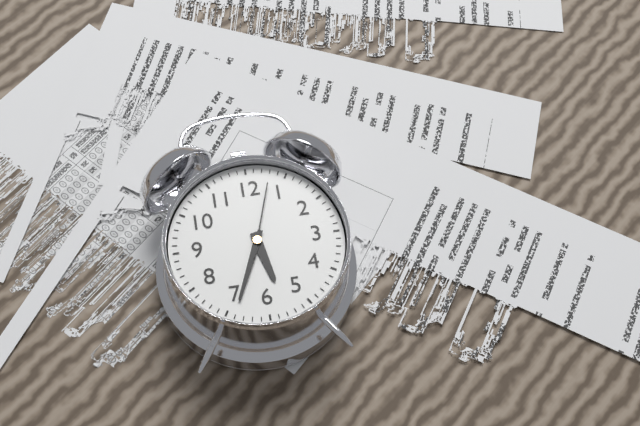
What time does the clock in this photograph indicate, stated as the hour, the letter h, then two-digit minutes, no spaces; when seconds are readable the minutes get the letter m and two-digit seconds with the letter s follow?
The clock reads 5h34m03s
